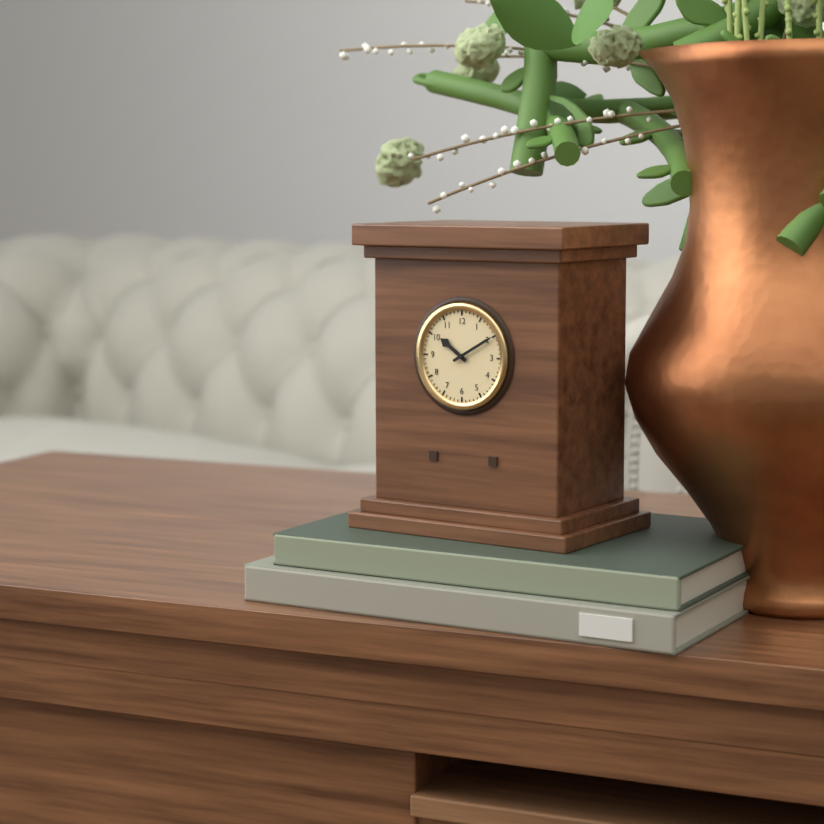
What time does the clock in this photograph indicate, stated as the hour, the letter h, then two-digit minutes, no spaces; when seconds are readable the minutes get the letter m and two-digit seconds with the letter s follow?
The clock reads 10h10
